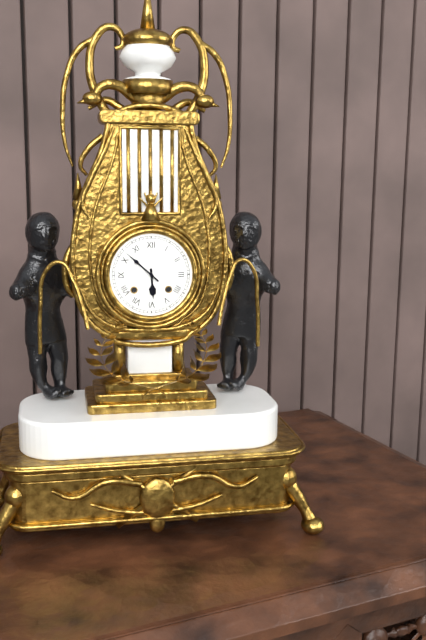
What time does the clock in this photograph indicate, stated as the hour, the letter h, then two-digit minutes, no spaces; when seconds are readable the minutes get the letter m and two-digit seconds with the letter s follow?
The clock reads 5h52
